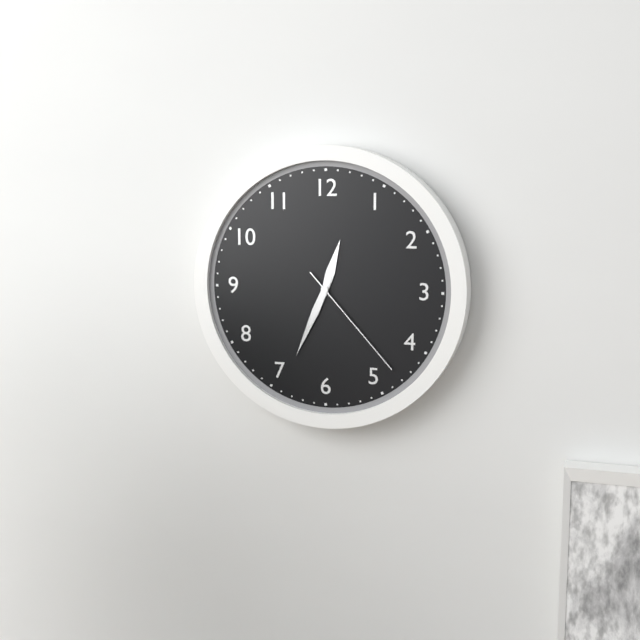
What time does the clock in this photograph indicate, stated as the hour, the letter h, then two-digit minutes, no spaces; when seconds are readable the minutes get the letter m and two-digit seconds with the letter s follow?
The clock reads 12h34m23s
